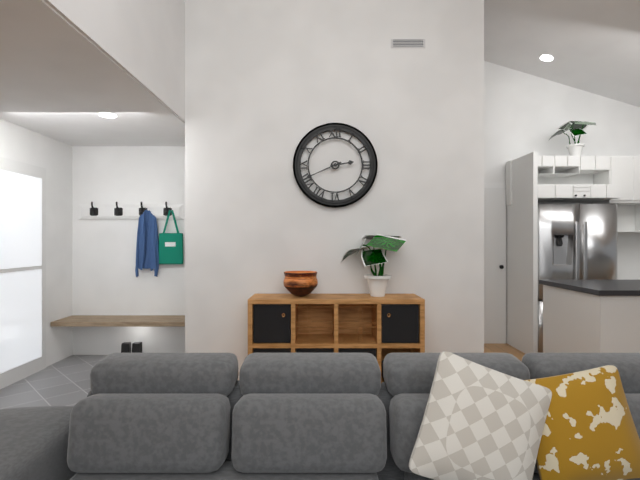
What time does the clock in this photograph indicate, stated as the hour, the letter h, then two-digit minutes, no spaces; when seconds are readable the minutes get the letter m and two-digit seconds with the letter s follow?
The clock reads 2h41
